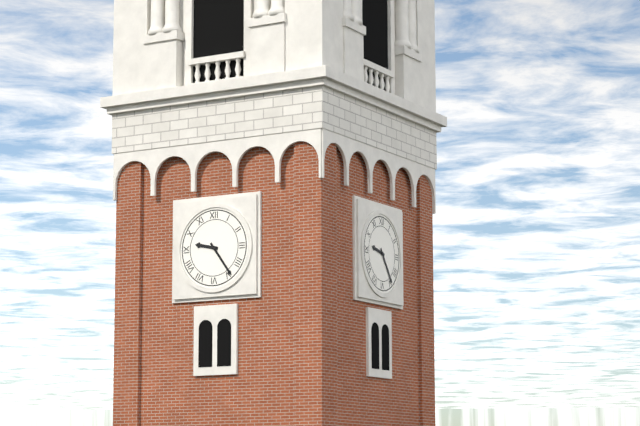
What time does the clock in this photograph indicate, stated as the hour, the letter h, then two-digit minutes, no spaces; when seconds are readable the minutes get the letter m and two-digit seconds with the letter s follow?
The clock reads 9h24
